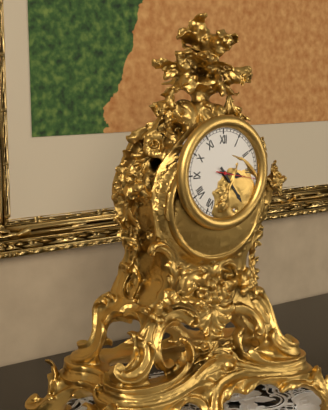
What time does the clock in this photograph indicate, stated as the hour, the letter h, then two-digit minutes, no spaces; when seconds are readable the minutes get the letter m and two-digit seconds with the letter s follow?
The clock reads 3h24
